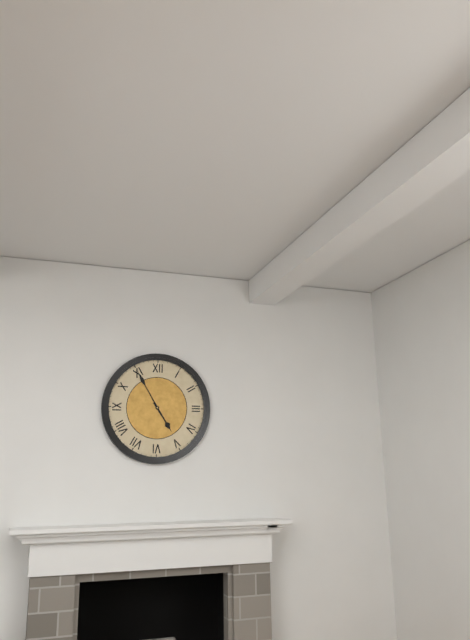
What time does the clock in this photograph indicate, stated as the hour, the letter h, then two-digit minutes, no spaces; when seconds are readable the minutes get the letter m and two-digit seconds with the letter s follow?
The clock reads 4h55
